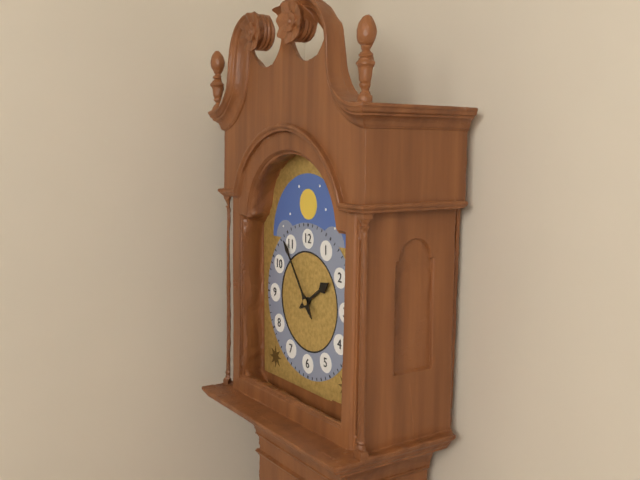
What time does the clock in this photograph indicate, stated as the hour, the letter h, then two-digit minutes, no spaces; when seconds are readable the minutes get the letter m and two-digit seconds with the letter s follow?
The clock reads 1h54
